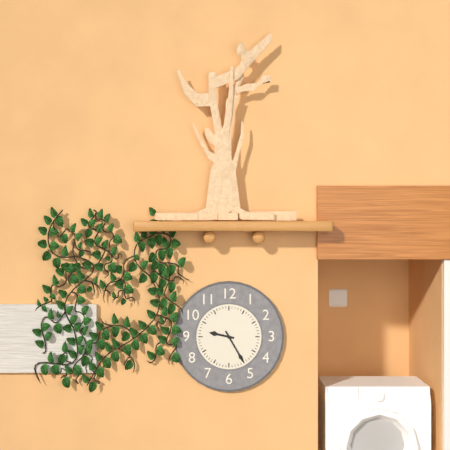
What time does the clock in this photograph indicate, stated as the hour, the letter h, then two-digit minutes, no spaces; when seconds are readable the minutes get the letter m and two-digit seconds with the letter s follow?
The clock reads 9h25
